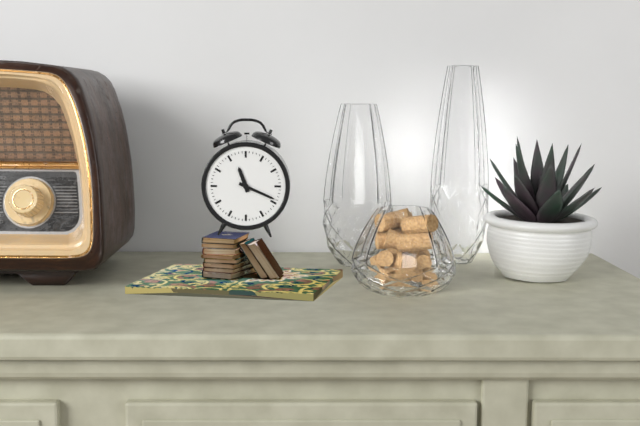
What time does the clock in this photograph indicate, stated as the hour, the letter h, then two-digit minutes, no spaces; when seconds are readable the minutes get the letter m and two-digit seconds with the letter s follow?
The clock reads 11h19
